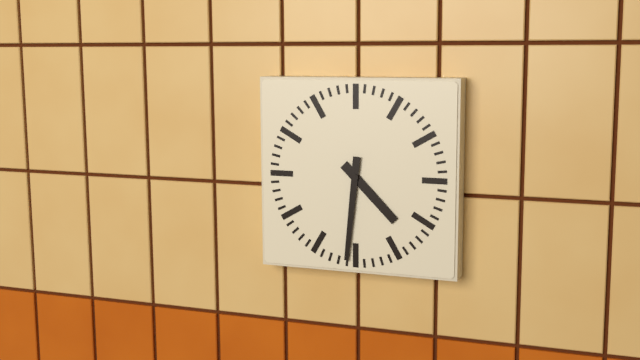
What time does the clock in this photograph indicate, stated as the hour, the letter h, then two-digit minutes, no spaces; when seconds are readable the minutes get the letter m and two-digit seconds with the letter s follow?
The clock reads 4h31
